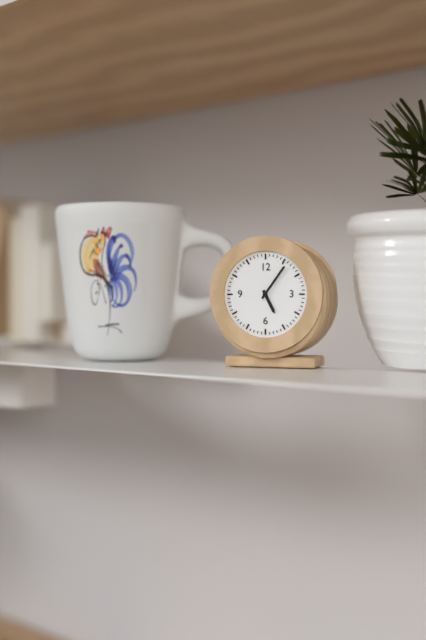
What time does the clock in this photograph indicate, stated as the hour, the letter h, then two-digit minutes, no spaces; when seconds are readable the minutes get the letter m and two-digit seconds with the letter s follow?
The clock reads 5h06
